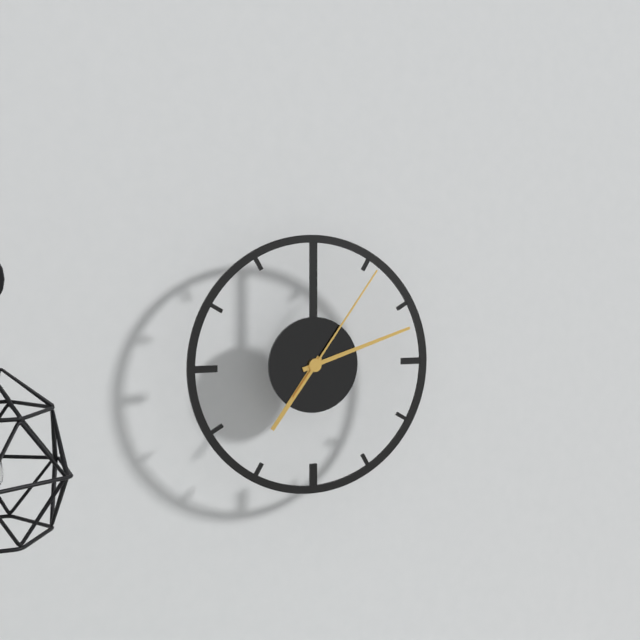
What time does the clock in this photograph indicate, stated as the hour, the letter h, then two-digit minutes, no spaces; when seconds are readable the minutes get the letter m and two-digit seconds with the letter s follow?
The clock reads 7h12m06s
